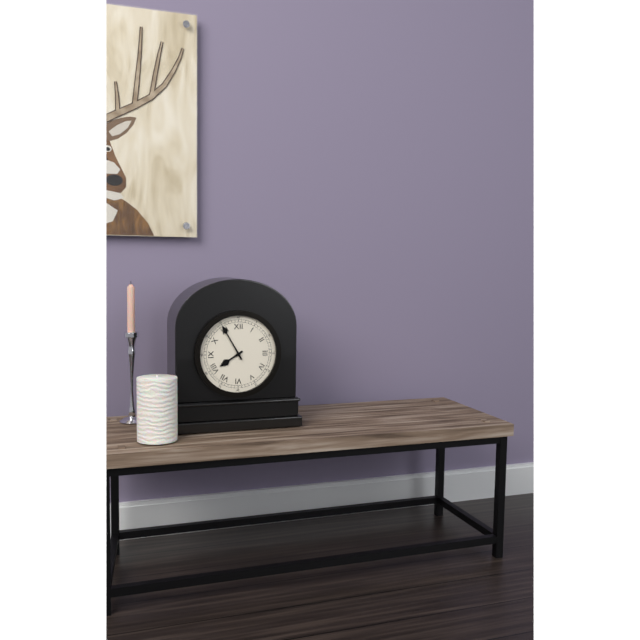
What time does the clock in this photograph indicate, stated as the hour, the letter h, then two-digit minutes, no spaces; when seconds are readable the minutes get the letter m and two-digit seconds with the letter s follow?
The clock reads 7h55
